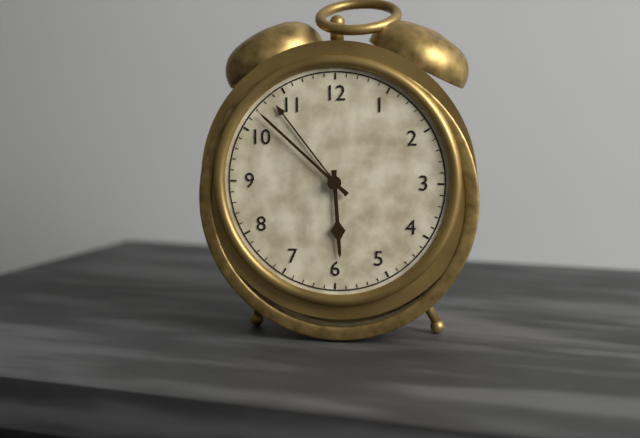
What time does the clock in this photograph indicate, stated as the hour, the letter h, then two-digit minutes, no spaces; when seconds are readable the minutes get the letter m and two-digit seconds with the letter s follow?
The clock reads 5h52
